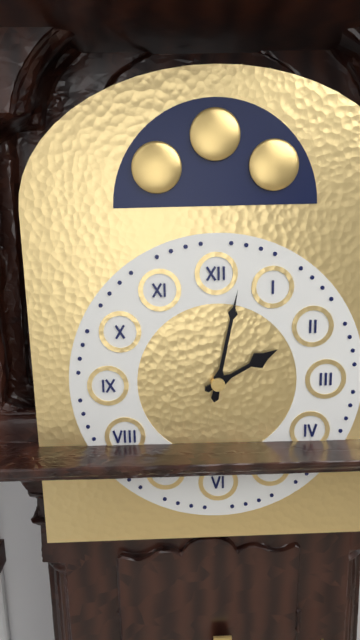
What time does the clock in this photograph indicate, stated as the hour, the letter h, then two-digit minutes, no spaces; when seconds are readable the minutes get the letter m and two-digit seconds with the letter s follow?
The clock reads 2h02
